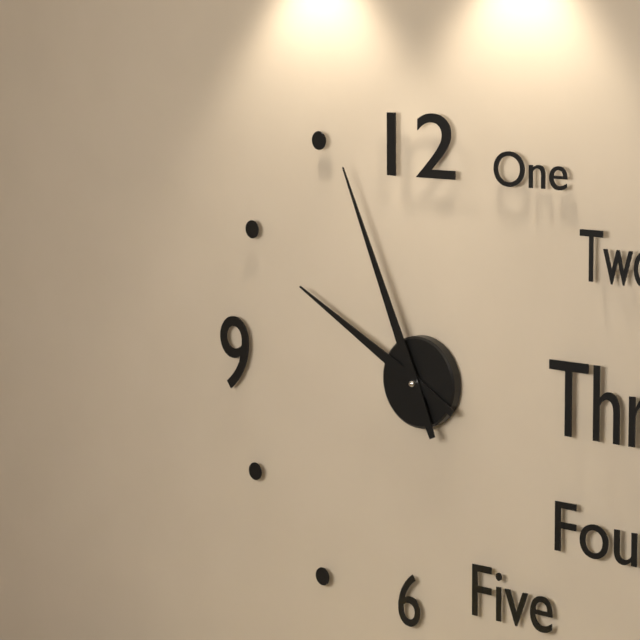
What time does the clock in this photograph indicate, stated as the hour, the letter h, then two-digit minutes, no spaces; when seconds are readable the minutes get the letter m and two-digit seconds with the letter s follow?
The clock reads 9h56
